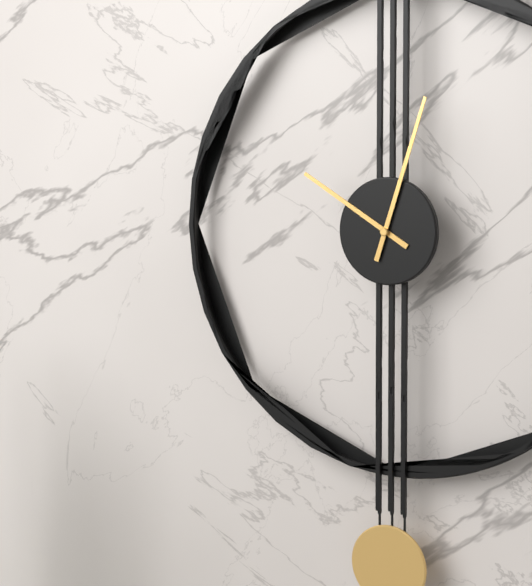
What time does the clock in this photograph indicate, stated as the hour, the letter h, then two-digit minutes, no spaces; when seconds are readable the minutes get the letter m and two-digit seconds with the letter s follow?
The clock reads 10h03
